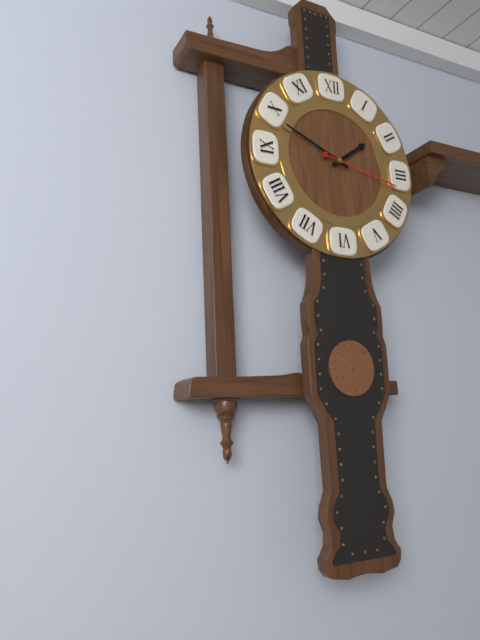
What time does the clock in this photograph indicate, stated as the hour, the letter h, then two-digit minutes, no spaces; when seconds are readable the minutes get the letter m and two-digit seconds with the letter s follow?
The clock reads 1h49m17s
